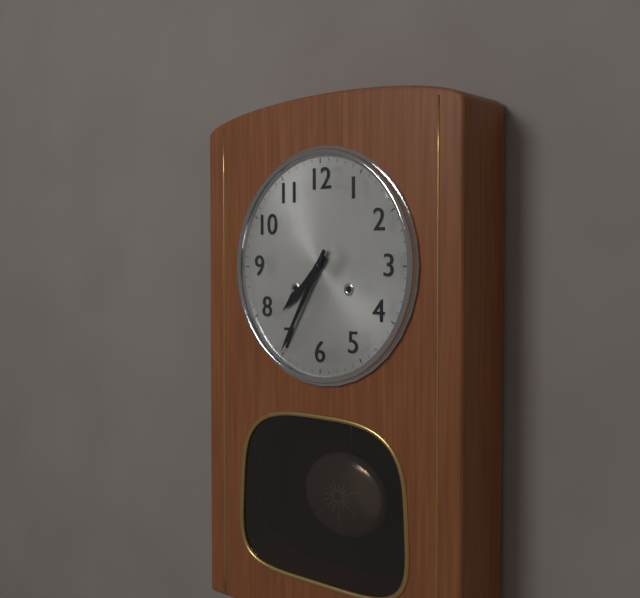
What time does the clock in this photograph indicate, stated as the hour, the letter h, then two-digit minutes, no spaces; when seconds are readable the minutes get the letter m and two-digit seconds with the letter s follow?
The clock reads 7h35
